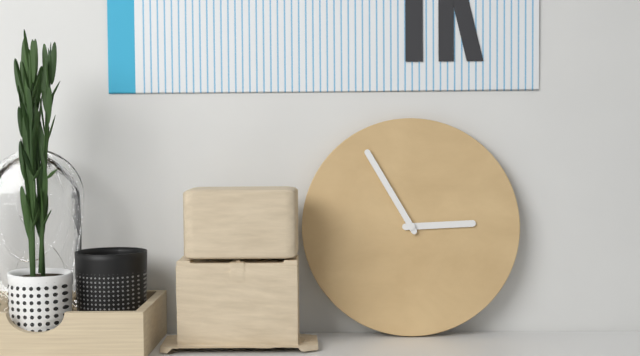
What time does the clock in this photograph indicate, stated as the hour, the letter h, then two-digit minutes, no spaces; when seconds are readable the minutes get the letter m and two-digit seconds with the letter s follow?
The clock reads 2h55
